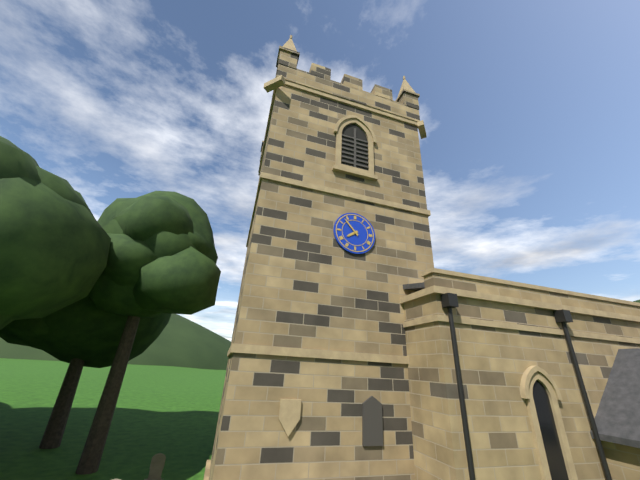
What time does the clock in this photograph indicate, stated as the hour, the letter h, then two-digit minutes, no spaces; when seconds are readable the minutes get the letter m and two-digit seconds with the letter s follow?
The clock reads 7h53
